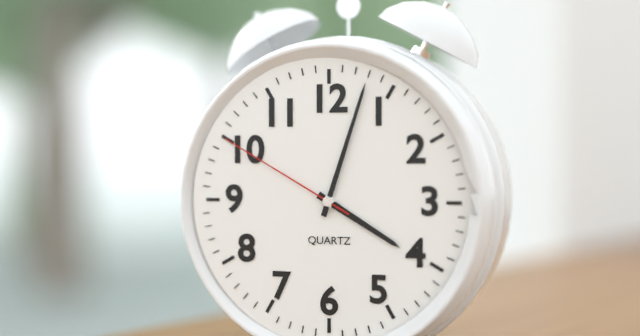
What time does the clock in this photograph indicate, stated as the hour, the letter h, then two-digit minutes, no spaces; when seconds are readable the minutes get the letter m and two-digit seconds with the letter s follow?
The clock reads 4h03m50s
